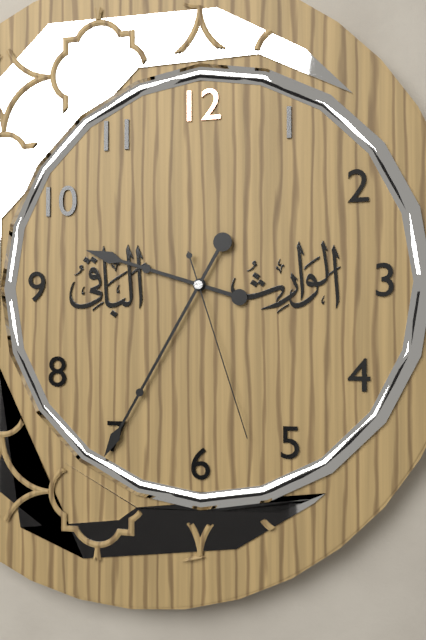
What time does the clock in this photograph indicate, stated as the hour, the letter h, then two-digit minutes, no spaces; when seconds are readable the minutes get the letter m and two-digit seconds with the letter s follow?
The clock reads 9h35m27s
